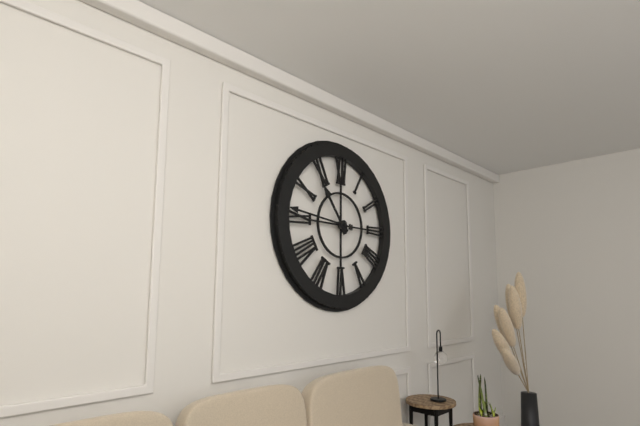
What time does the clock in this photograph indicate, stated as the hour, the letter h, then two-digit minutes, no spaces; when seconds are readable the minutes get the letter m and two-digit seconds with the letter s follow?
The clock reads 10h46
